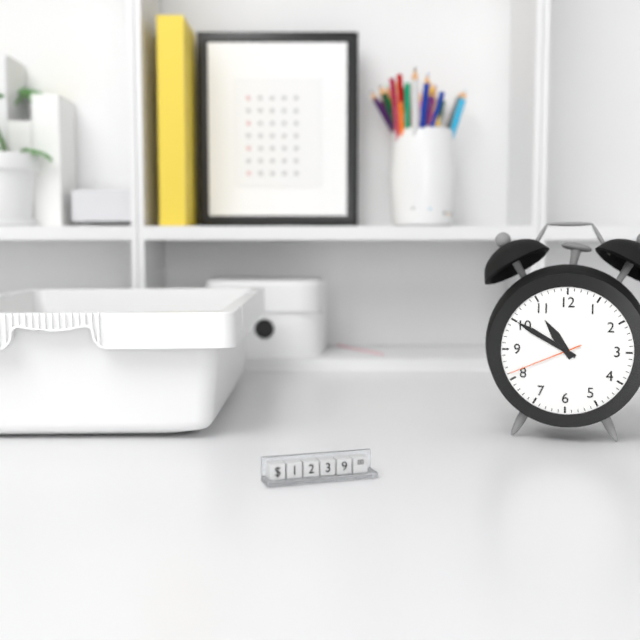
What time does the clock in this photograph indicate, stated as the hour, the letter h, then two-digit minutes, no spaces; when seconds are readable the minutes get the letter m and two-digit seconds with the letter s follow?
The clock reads 10h50m41s
